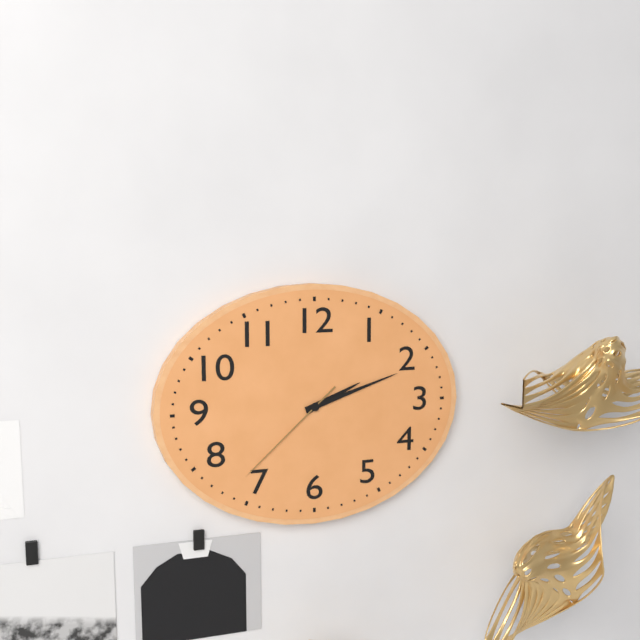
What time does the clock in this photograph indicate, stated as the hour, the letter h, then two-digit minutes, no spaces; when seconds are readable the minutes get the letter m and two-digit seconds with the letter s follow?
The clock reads 2h12m38s
